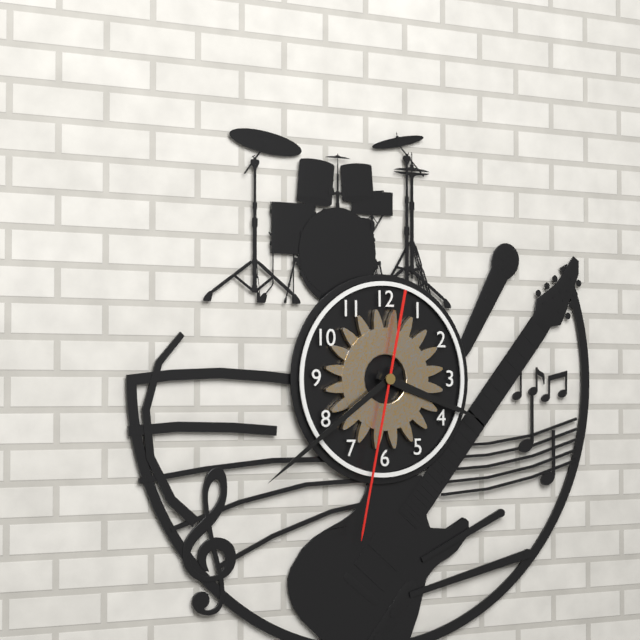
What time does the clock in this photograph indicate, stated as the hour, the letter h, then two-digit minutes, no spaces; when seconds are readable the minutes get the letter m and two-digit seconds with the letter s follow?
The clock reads 3h39m32s
